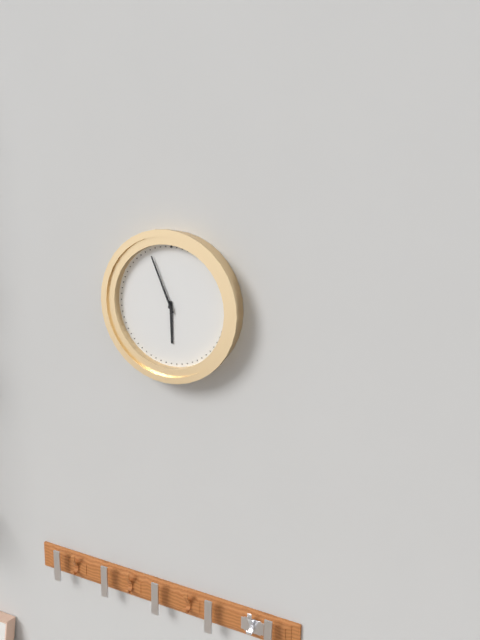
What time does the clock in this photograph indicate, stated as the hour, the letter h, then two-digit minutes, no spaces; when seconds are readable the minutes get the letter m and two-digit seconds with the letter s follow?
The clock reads 5h56
